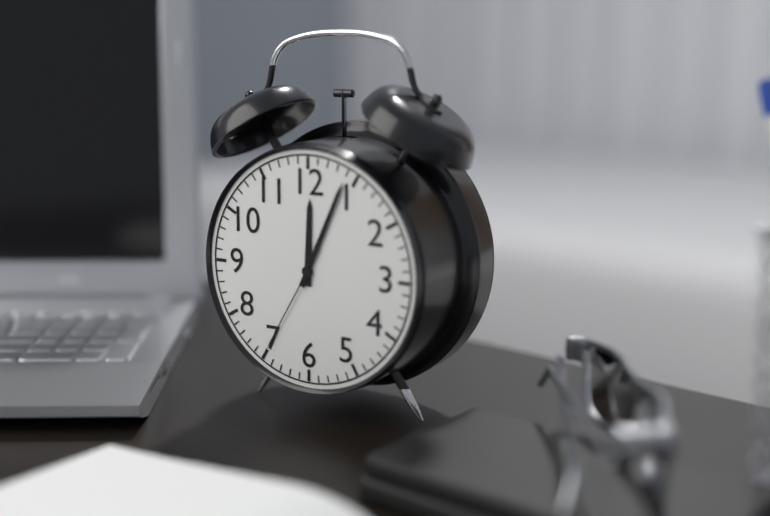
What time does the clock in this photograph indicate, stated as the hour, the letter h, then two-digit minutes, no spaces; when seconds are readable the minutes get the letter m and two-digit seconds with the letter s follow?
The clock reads 12h04m35s
